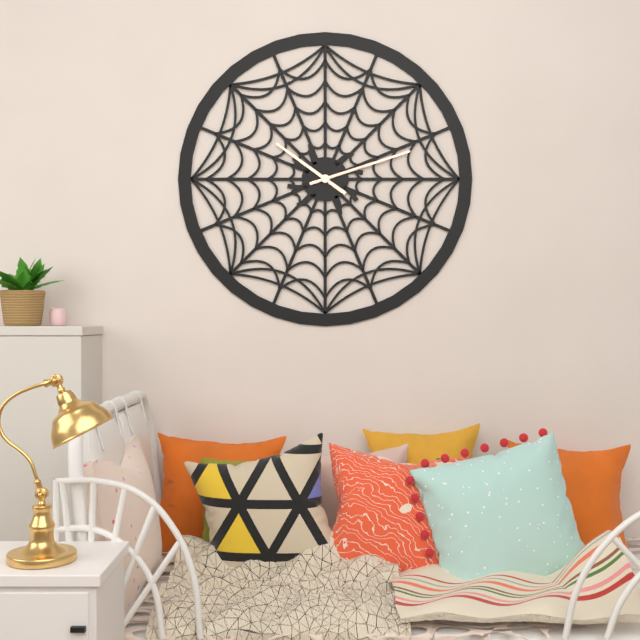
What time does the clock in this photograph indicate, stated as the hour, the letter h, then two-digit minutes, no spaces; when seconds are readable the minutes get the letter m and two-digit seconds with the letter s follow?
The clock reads 10h12m12s
